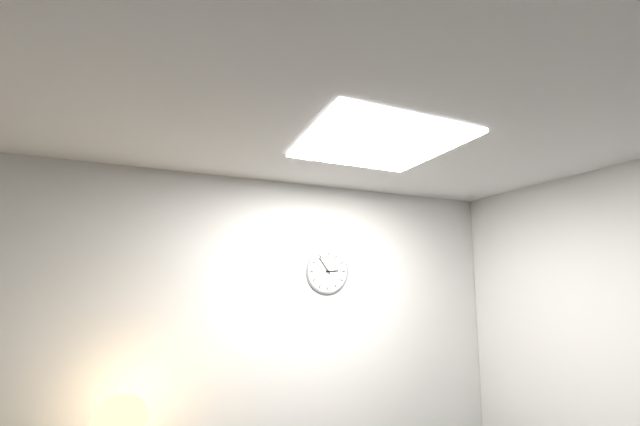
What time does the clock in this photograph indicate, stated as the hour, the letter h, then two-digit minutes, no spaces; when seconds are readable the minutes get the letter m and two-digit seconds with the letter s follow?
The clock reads 2h54
